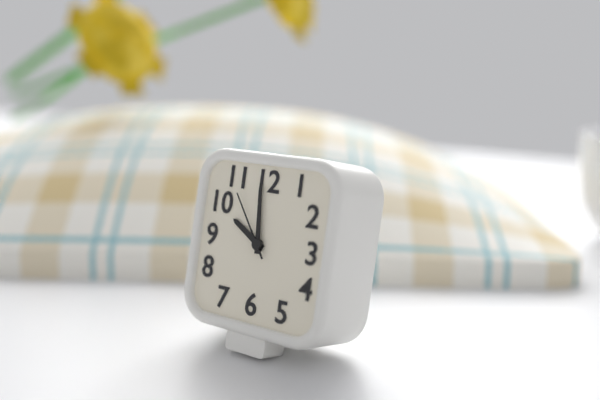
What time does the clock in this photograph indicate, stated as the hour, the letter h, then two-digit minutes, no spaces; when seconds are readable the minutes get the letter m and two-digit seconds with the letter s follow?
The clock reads 9h59m54s
